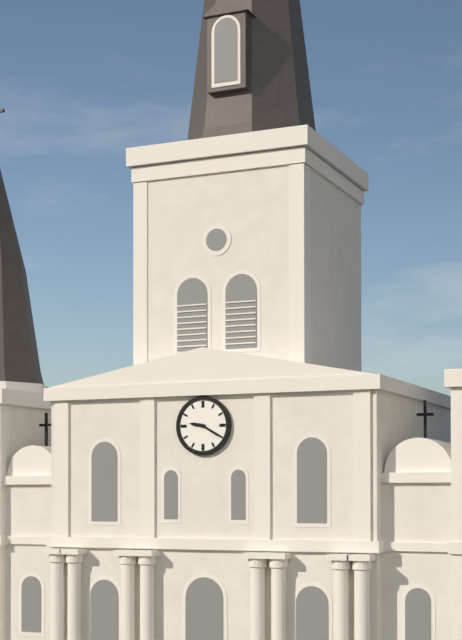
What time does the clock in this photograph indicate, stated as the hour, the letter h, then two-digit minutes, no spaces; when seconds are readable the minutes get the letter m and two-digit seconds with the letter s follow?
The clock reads 9h20
